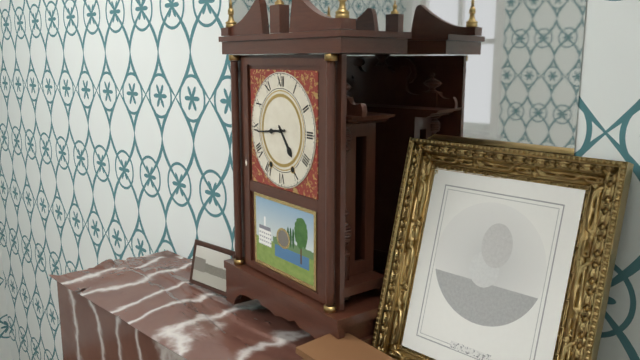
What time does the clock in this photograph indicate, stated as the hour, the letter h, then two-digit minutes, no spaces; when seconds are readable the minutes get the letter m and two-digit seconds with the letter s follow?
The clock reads 4h44
